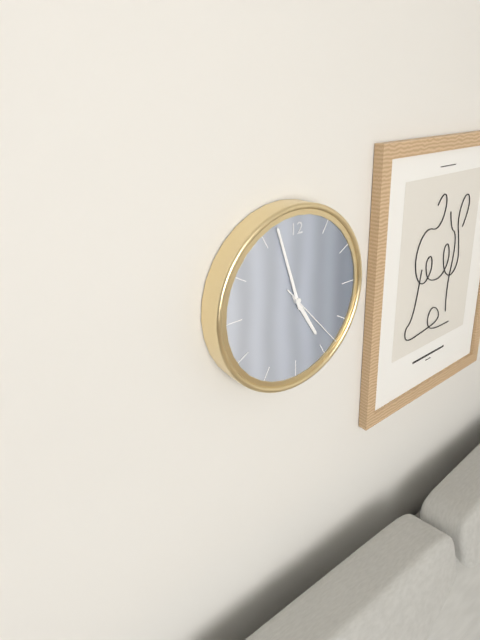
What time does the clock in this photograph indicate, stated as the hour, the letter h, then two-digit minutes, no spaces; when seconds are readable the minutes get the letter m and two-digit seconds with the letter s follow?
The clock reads 4h57m23s
